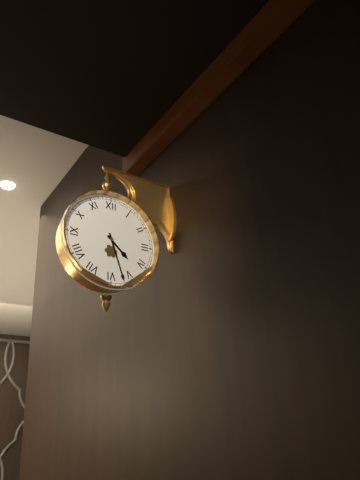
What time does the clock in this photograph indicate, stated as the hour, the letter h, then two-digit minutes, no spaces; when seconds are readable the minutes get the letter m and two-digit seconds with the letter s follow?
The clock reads 4h27
